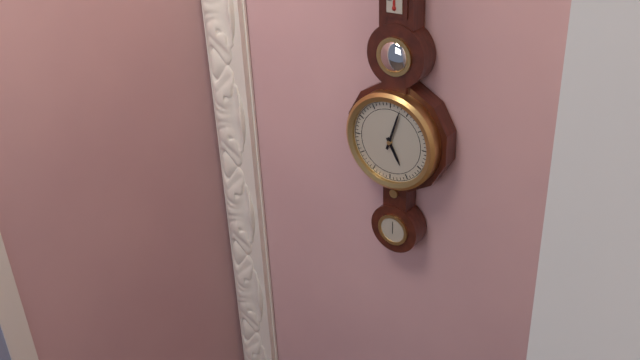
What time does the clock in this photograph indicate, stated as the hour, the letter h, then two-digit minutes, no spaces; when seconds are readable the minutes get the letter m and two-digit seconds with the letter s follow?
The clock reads 5h03
